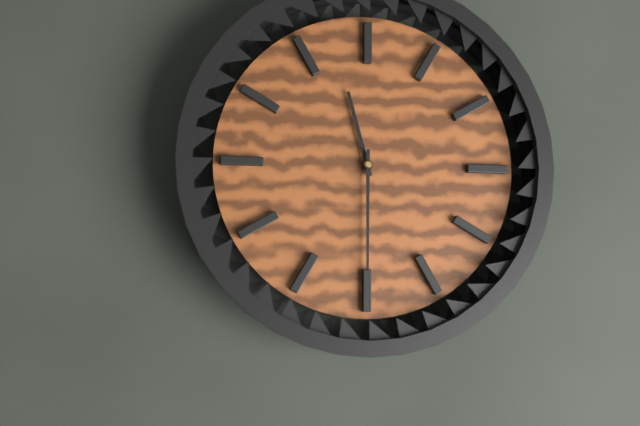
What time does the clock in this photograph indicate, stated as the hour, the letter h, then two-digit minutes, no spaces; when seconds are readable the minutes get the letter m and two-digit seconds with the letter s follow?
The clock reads 11h30
